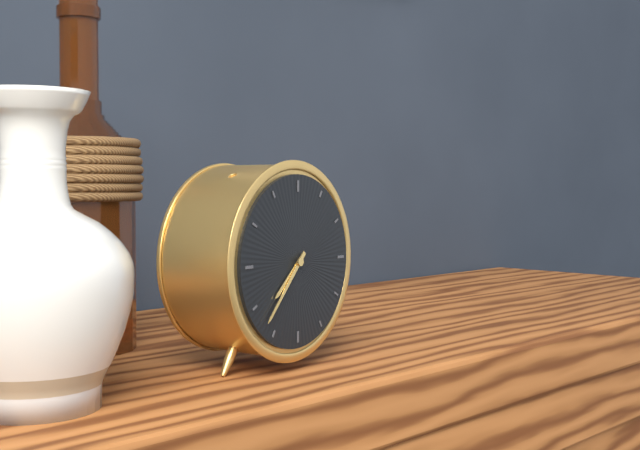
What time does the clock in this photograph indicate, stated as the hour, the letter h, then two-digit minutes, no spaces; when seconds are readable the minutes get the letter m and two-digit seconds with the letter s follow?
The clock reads 7h37
